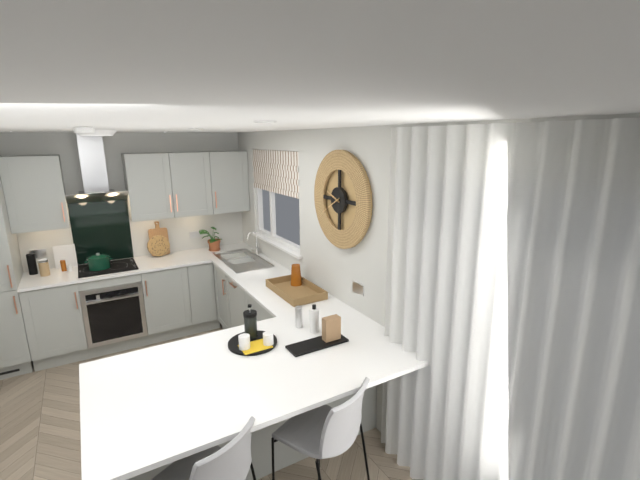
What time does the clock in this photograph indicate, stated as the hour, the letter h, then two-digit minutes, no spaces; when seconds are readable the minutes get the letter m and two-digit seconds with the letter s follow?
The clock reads 9h40
